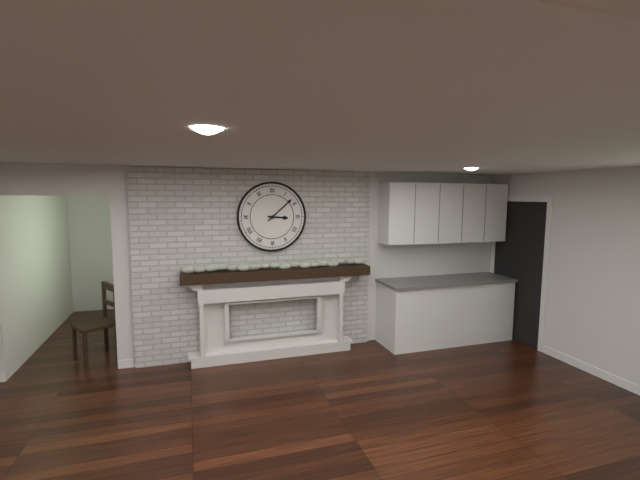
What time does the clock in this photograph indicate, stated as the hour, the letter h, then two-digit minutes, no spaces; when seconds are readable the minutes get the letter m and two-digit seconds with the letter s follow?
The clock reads 3h08
